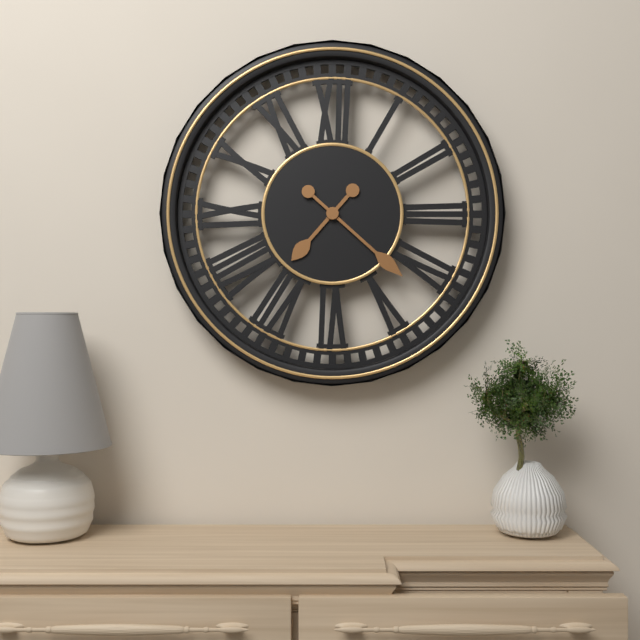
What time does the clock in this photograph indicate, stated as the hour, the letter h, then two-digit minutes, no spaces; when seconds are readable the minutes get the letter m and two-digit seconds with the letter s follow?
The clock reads 7h22
